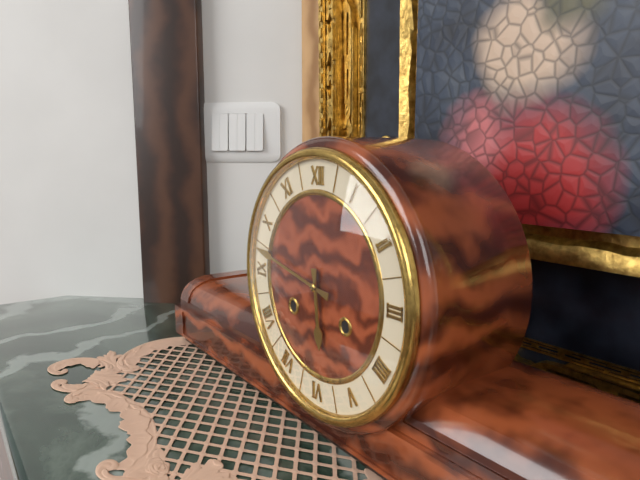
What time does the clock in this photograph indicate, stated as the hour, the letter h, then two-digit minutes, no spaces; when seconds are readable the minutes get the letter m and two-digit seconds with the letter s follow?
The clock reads 5h47
